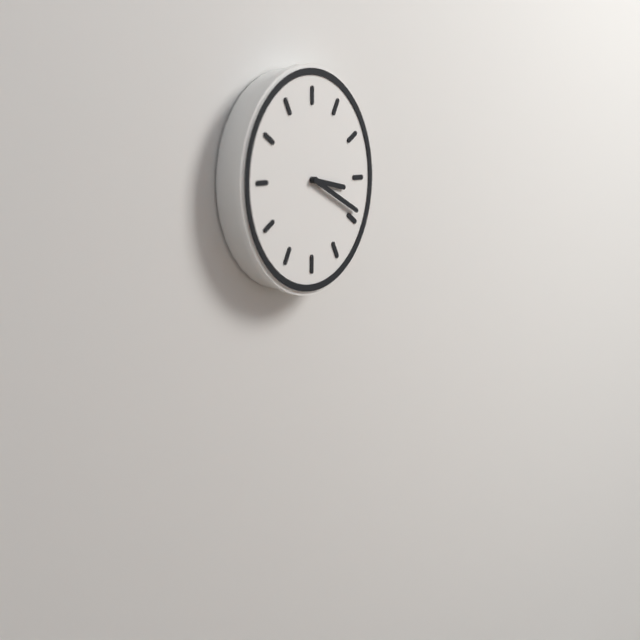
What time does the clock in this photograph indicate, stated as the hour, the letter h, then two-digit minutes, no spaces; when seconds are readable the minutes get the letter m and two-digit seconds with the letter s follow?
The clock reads 3h19
